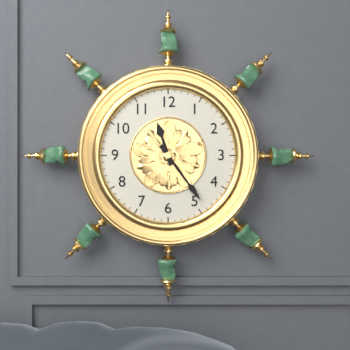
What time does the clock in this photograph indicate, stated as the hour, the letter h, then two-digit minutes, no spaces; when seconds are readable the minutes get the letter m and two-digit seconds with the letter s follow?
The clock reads 11h24
